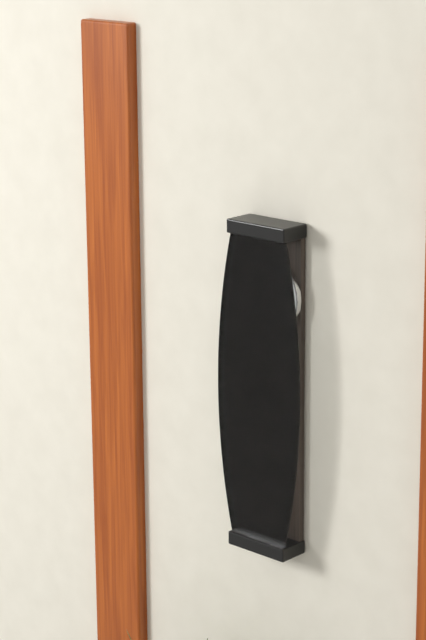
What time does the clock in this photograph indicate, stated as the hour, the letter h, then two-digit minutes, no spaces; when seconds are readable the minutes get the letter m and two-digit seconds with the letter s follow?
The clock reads 7h27
